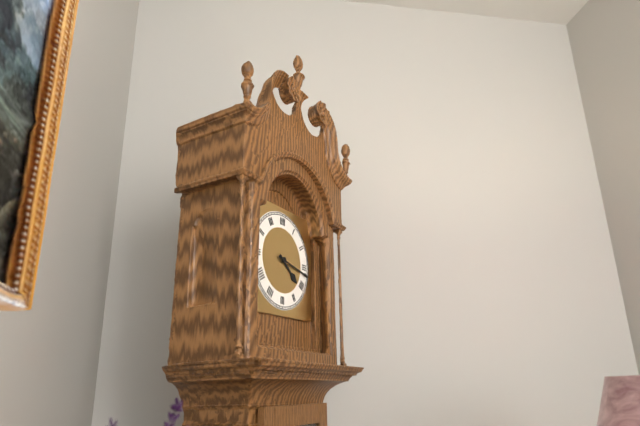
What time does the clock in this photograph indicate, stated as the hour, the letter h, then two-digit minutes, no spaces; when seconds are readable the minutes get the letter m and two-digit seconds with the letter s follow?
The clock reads 4h17
